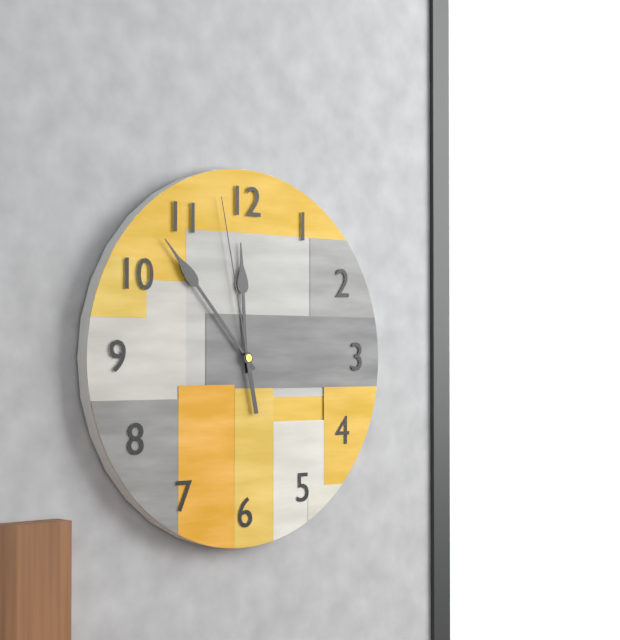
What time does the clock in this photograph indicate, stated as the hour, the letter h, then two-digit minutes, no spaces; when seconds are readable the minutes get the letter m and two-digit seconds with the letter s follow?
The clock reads 11h53m58s
